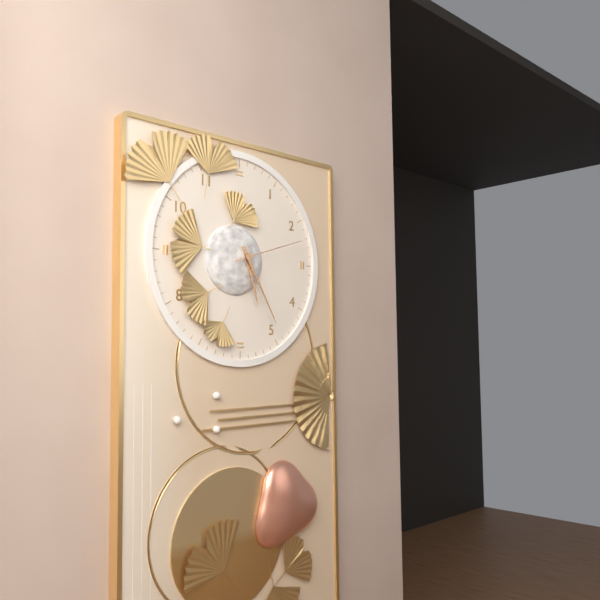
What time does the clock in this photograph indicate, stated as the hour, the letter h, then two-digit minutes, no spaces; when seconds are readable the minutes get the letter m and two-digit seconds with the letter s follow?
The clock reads 5h25m12s
